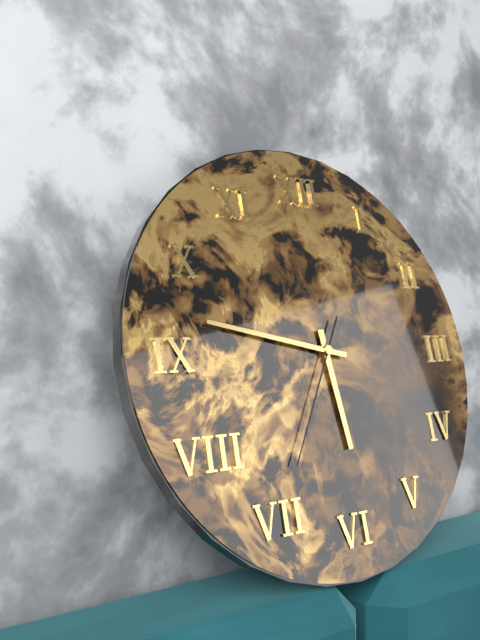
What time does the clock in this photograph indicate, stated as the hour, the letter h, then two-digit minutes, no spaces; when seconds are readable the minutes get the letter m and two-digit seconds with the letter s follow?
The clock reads 5h47m35s
